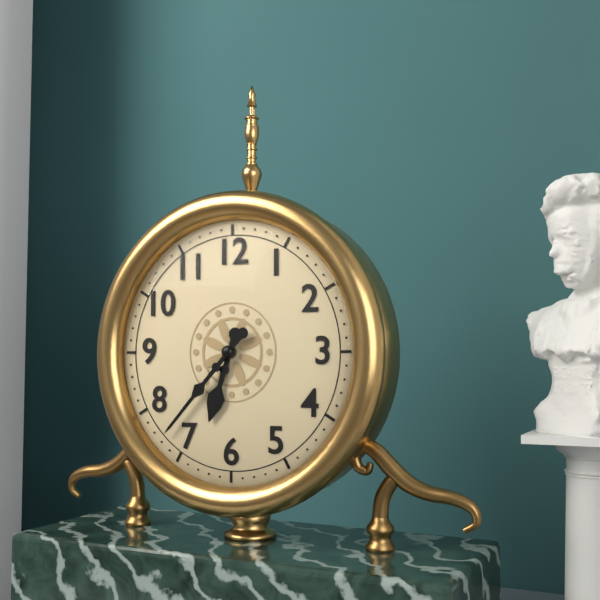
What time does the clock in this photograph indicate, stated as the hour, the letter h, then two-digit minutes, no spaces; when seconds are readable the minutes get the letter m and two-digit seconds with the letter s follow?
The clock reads 6h37
